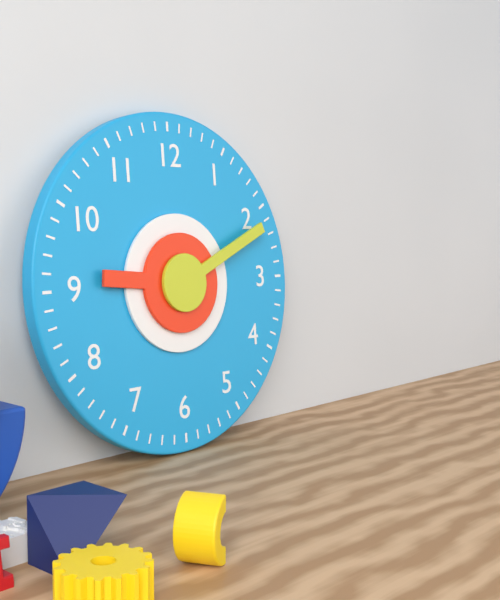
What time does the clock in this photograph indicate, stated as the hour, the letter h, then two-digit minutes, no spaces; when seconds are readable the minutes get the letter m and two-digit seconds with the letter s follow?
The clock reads 9h11
